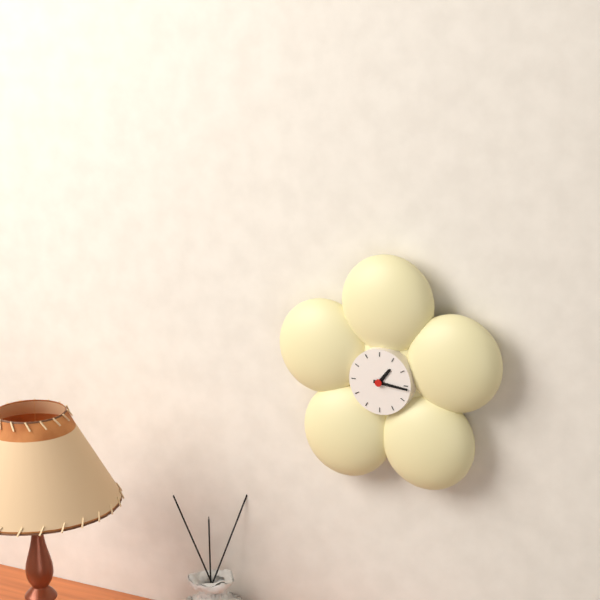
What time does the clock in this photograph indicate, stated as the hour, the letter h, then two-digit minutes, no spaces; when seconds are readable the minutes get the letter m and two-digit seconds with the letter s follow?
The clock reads 1h16
